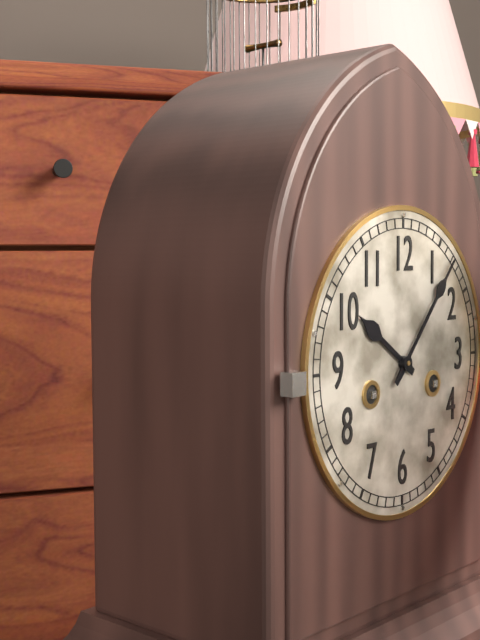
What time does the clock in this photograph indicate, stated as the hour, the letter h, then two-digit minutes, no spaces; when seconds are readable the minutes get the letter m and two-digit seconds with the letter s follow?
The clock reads 10h07
